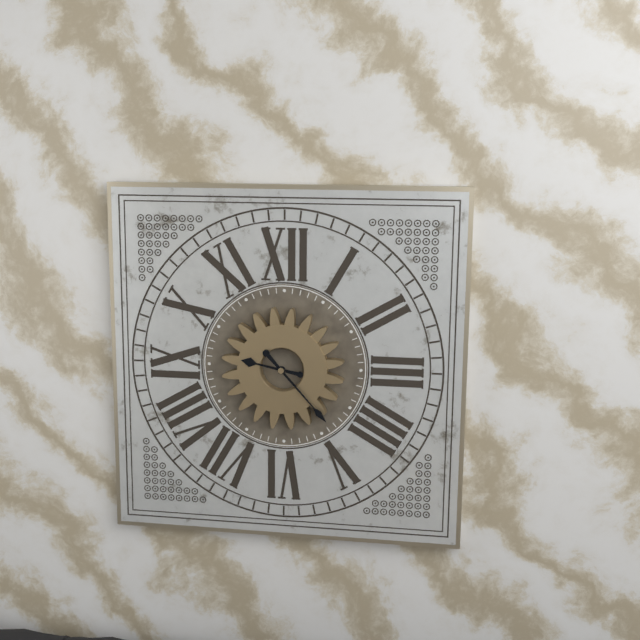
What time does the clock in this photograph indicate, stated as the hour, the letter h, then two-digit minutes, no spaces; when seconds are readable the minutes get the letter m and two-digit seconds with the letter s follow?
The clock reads 9h23
